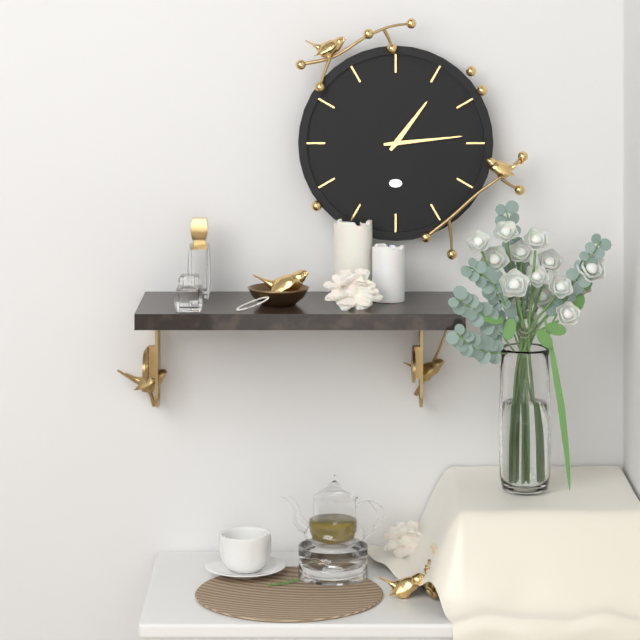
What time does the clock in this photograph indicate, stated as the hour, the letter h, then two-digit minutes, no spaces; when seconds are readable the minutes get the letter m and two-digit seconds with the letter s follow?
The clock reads 1h14
